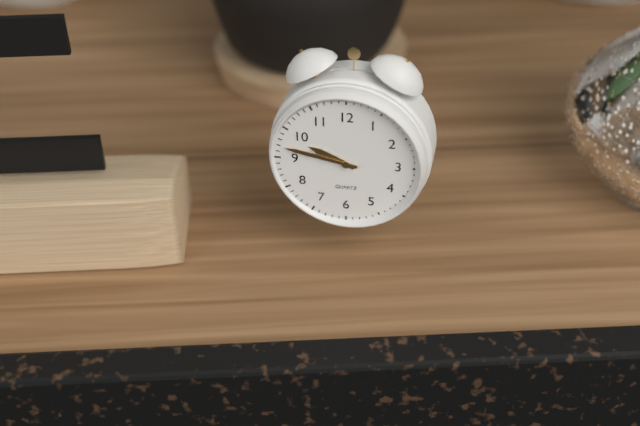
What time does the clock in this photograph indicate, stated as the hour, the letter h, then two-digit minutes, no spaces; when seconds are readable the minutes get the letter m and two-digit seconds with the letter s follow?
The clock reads 9h47
